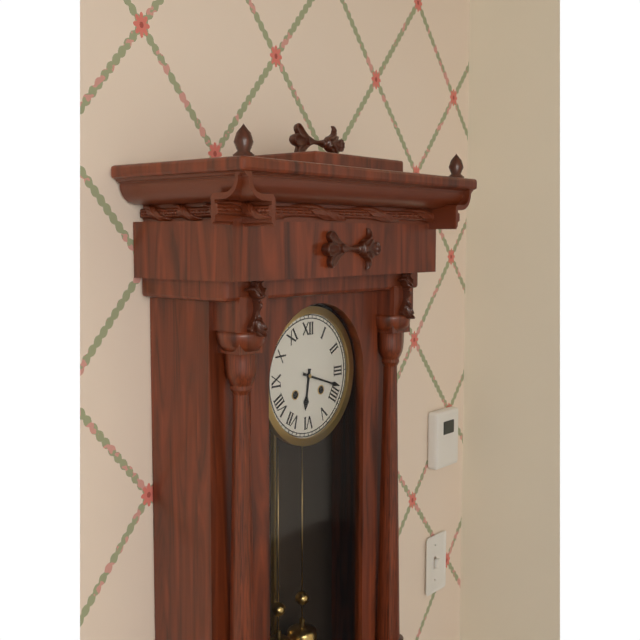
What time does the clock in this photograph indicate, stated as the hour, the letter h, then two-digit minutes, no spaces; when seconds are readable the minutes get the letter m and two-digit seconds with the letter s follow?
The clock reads 6h18
